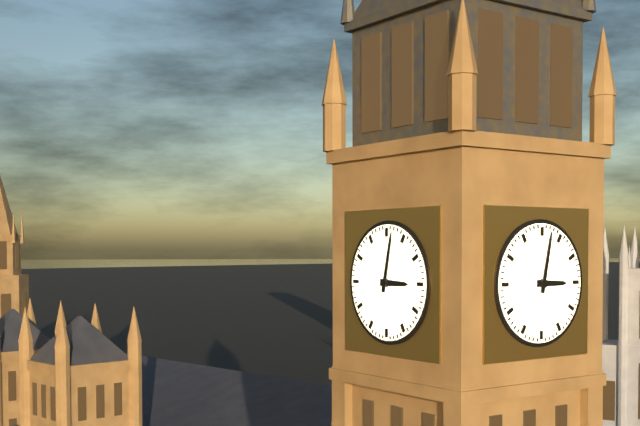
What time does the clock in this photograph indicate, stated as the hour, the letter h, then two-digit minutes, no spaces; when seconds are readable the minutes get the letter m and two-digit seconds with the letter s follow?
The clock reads 3h02
